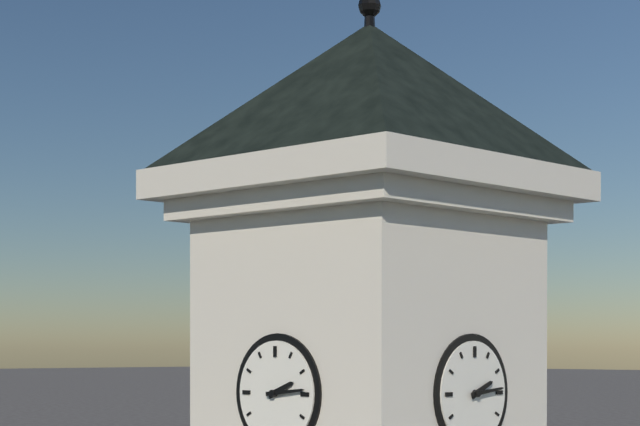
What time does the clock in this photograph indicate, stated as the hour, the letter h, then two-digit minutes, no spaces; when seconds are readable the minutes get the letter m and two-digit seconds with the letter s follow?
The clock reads 2h14
